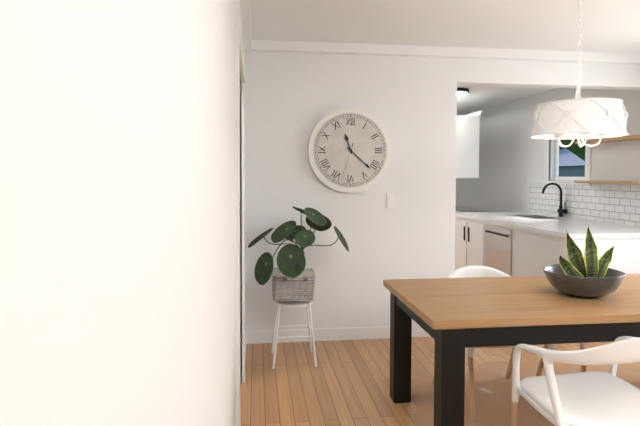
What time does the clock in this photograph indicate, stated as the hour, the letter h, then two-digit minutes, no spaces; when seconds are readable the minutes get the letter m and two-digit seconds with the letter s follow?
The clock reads 11h22
